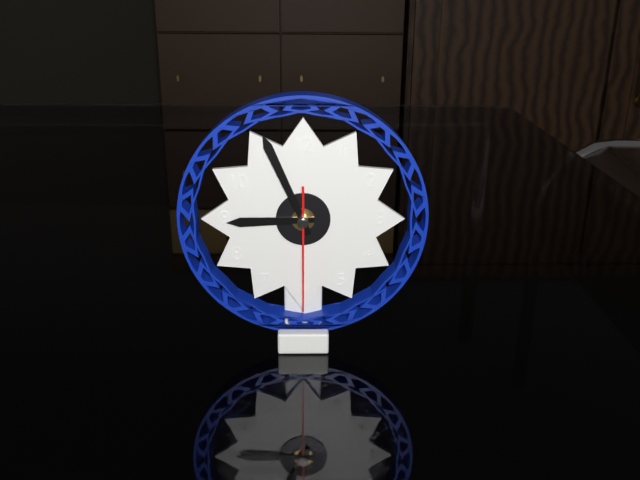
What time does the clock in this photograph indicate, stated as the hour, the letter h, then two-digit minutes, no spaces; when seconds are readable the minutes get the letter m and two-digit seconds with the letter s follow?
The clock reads 8h56m30s
